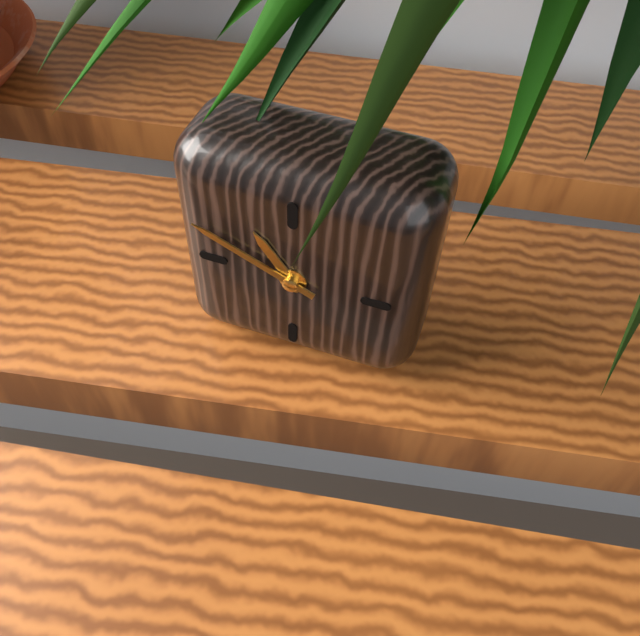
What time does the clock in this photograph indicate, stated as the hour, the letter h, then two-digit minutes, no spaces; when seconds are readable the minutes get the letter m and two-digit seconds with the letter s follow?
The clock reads 10h49
